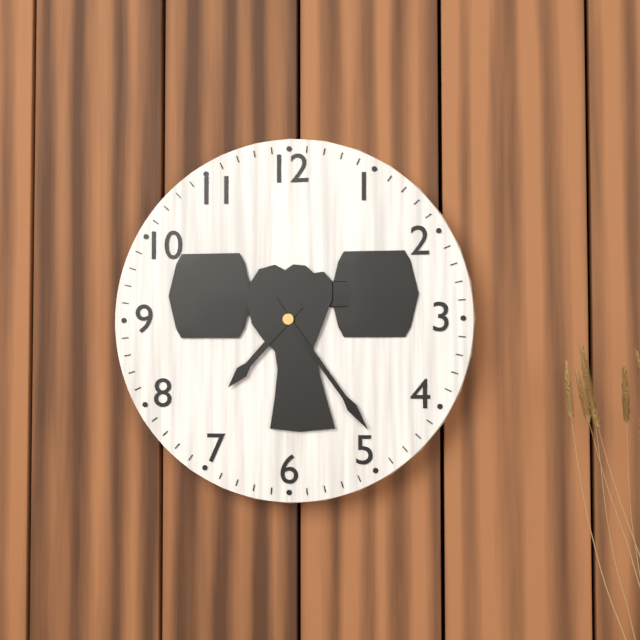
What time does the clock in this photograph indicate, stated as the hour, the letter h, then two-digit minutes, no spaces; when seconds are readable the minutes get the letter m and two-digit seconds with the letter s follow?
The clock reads 7h24
